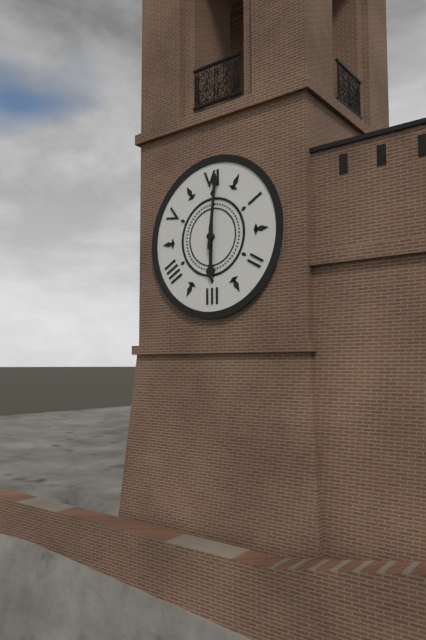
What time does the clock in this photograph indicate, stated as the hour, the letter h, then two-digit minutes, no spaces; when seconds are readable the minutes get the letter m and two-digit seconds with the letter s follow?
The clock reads 6h01
